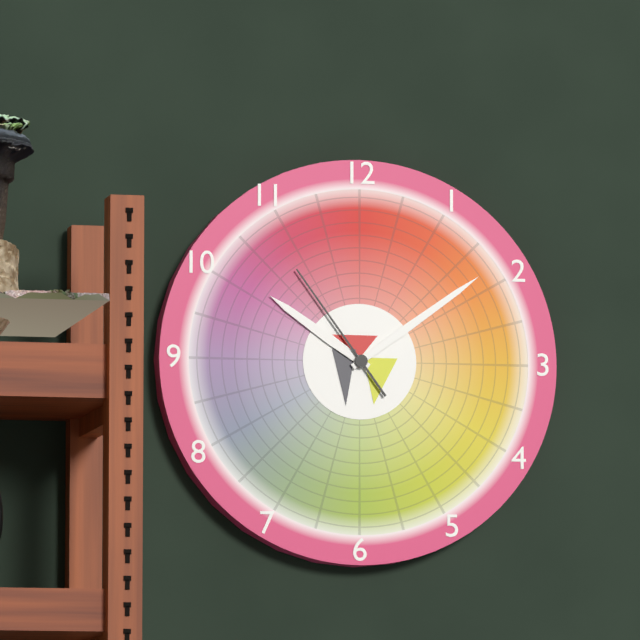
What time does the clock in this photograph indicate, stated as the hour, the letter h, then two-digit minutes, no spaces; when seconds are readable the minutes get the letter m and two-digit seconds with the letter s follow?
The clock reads 10h09m54s
